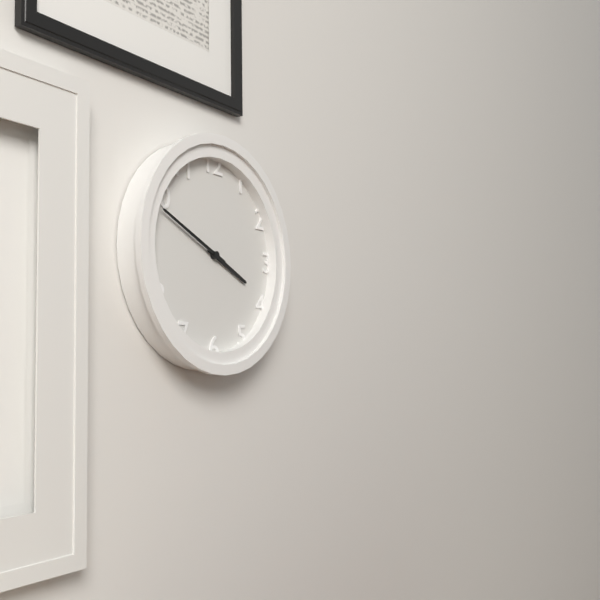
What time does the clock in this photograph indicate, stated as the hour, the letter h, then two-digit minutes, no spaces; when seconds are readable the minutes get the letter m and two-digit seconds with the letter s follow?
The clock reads 3h49
